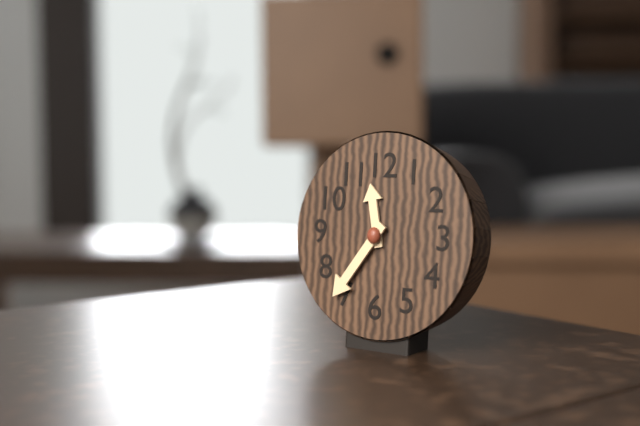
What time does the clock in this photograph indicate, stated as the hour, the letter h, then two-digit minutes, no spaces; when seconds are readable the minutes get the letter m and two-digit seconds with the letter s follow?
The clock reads 11h36
